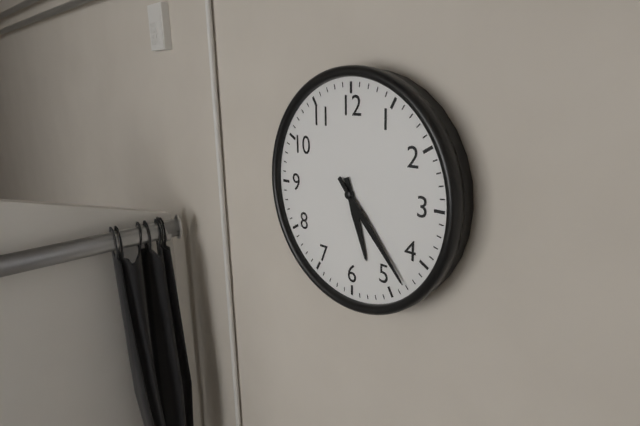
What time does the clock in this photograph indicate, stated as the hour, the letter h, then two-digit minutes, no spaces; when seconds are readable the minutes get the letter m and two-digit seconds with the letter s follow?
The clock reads 5h23
